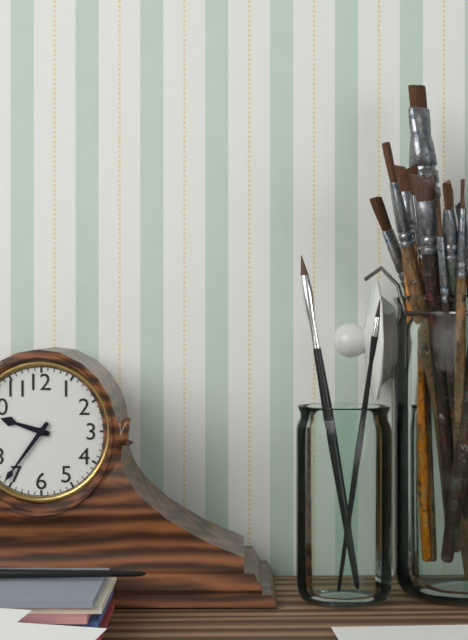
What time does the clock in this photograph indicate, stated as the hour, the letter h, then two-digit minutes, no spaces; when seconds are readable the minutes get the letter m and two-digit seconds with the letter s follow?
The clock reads 9h36
